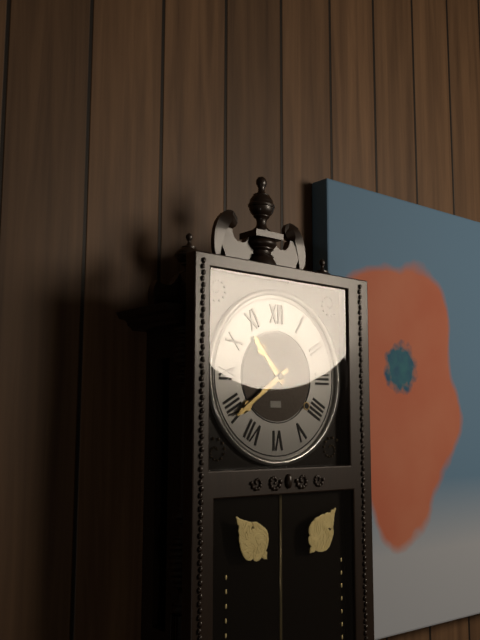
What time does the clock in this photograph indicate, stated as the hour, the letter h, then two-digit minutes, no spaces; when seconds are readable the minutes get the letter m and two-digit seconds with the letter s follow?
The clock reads 10h39
